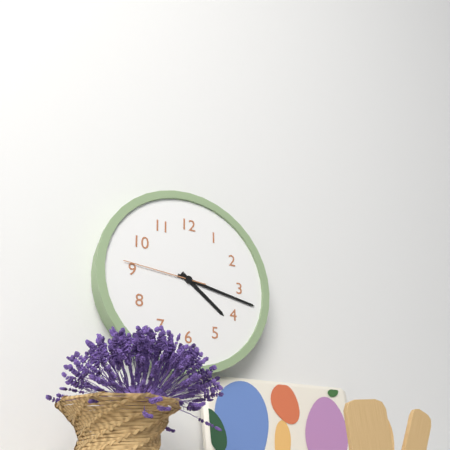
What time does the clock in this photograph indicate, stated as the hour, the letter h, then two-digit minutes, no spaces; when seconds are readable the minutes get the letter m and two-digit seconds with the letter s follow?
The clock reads 4h17m46s
